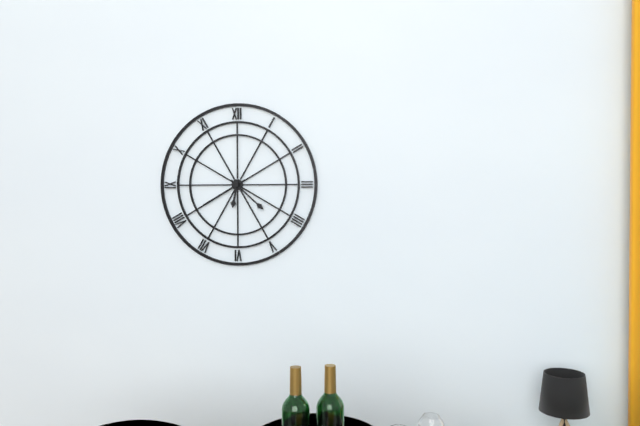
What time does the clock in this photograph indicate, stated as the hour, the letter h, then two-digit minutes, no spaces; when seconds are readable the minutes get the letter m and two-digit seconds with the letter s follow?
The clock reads 6h22m40s
